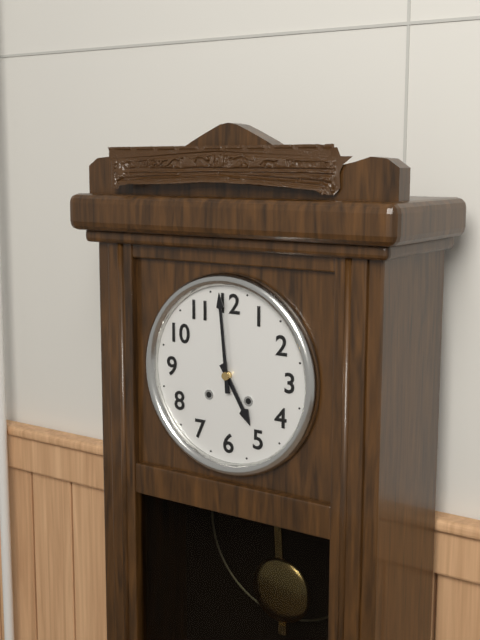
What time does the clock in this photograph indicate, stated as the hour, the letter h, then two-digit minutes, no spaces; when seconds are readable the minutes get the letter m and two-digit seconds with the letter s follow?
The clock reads 4h59
